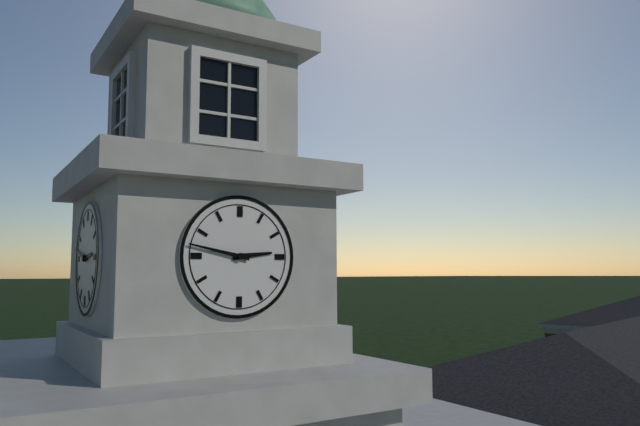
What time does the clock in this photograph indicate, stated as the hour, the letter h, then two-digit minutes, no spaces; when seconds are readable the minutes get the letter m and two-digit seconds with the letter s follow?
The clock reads 2h47
